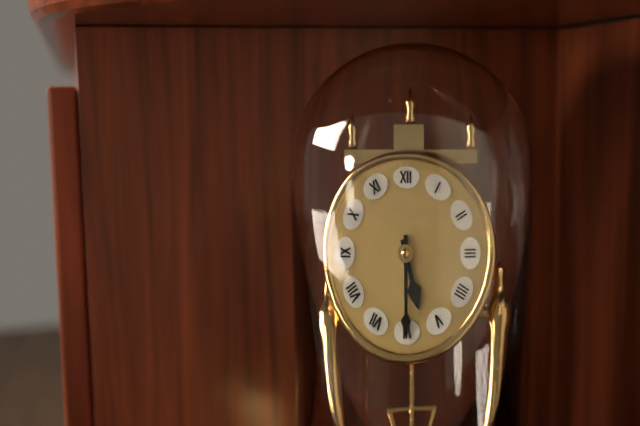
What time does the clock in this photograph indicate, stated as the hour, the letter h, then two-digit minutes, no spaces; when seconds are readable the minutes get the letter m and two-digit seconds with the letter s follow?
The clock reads 5h30
